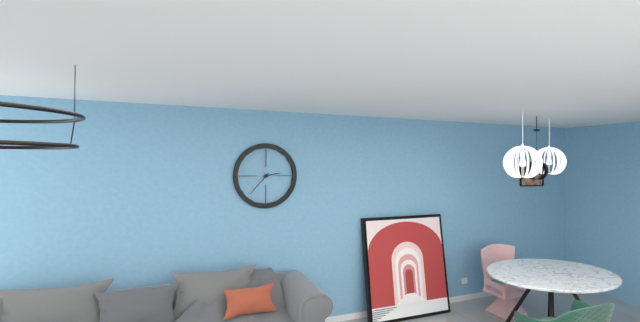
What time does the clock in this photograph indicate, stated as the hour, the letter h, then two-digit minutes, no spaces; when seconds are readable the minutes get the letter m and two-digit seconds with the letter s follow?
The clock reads 2h37
